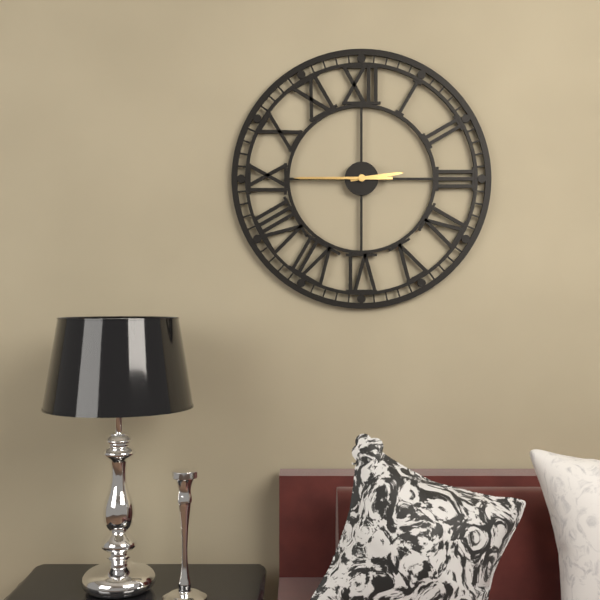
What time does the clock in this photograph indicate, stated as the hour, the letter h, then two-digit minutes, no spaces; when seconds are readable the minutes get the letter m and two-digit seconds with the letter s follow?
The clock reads 2h45
